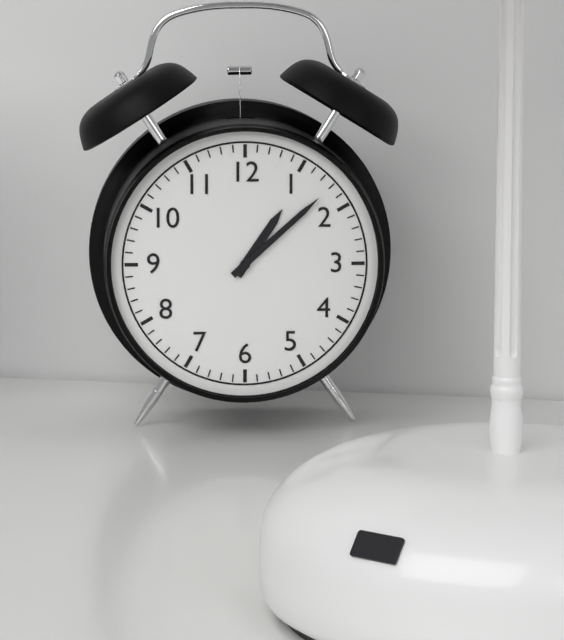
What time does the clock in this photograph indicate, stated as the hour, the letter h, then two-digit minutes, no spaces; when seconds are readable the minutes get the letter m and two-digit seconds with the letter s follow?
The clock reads 1h08
